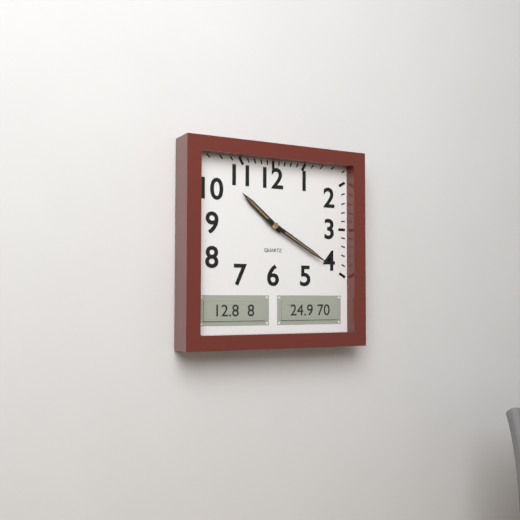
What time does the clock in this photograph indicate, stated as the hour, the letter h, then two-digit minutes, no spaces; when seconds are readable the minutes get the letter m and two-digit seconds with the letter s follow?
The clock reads 10h20
